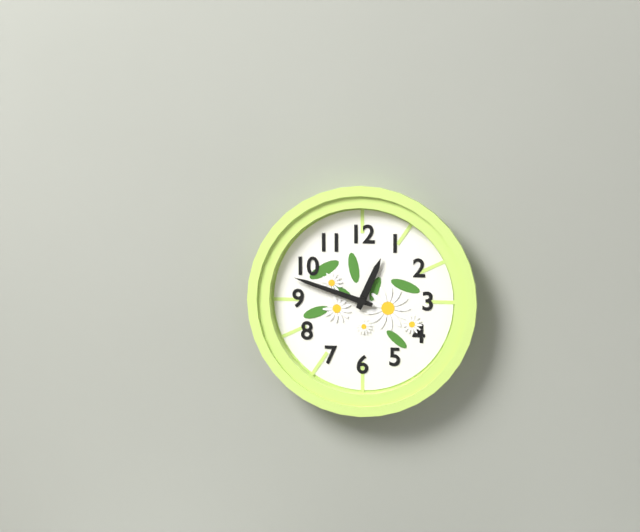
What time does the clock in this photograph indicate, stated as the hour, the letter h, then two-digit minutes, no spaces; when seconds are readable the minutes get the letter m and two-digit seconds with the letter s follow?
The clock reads 12h48
